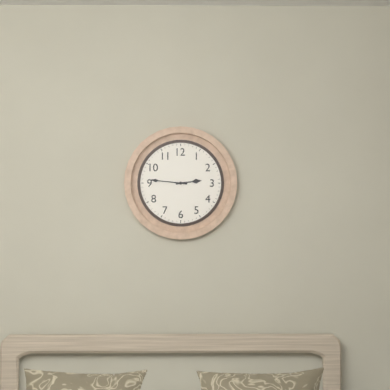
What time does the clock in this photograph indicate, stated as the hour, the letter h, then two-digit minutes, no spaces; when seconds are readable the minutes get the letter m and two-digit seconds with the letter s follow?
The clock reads 2h46
